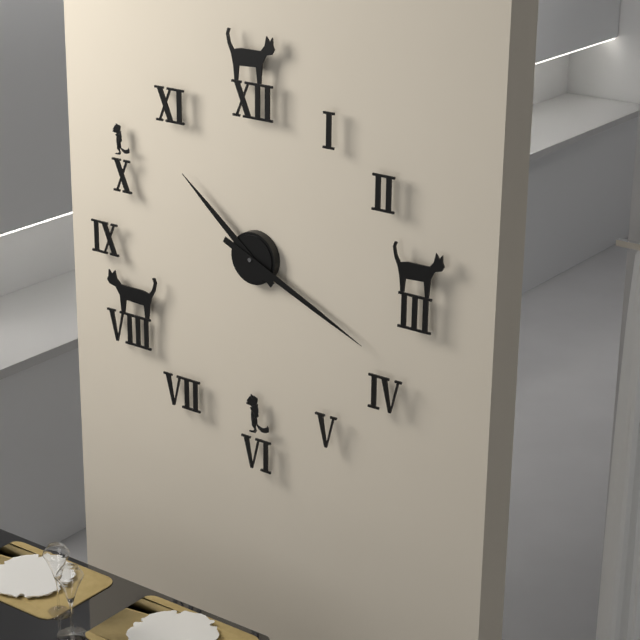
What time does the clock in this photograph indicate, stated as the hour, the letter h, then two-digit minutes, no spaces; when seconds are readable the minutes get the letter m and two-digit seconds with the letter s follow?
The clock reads 10h19
